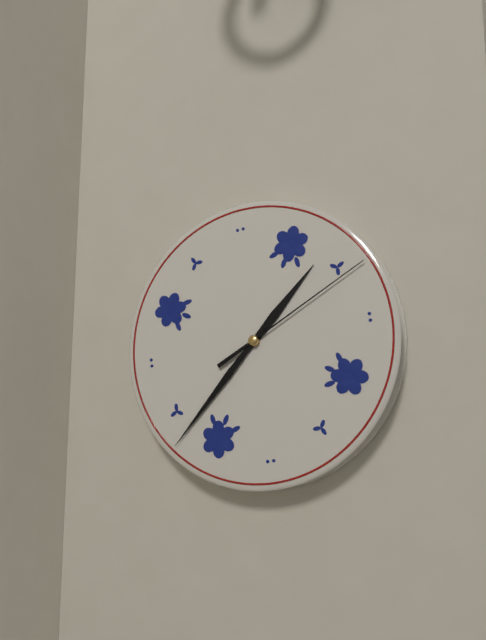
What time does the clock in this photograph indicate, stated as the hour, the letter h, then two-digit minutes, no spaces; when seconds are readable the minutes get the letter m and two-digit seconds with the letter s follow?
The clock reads 1h38m11s
